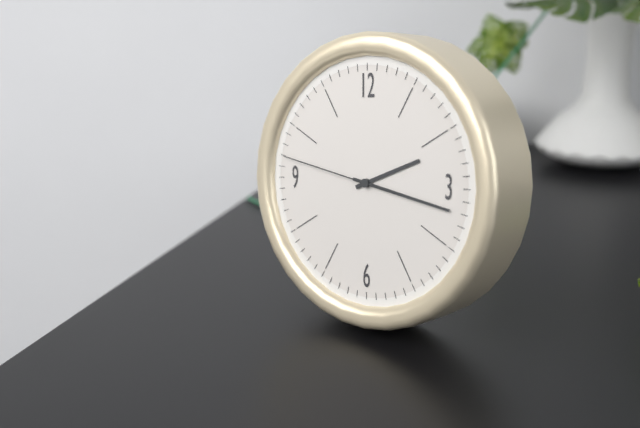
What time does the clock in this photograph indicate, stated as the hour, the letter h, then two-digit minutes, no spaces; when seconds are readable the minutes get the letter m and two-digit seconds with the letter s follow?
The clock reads 2h17m47s
